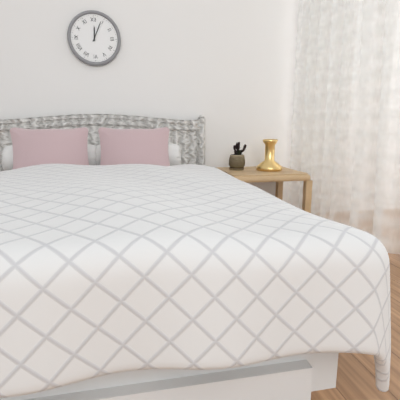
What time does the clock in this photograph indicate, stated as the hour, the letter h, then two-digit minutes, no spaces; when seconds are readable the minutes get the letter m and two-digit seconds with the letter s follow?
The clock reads 12h04
